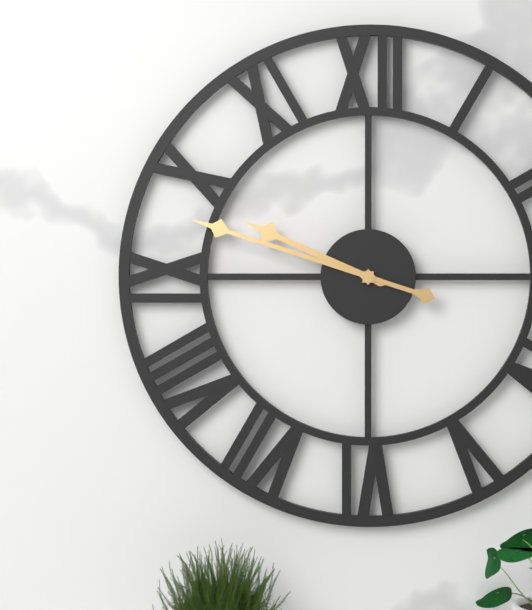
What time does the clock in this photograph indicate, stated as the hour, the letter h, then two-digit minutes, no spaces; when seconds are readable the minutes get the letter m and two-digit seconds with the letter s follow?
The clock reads 9h48
